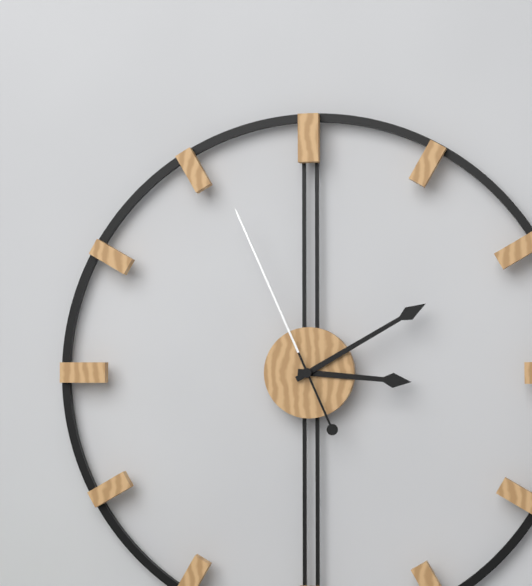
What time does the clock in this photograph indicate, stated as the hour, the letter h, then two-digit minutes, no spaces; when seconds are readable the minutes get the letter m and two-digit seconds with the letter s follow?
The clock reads 3h10m56s
